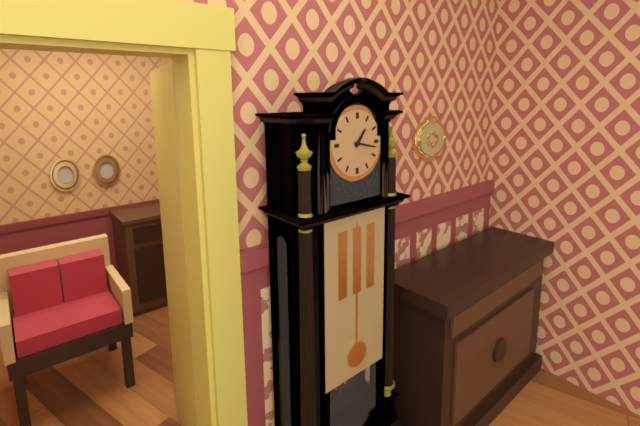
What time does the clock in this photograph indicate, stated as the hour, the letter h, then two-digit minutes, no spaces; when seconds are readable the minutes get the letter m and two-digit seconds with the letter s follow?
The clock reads 1h17
